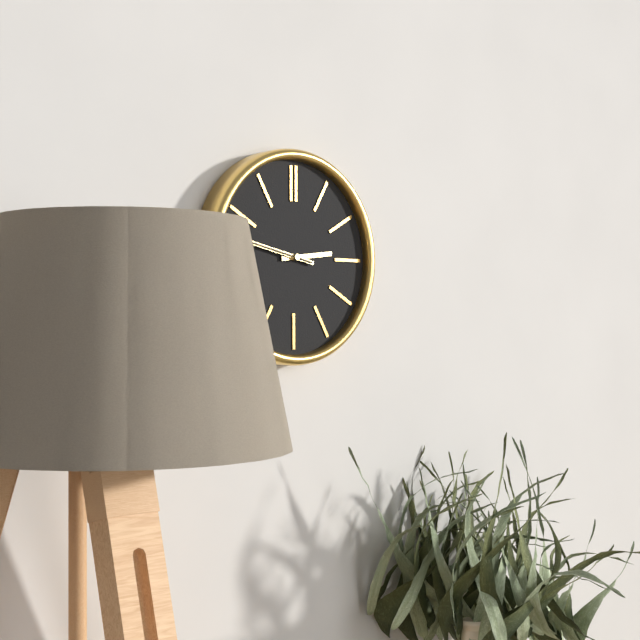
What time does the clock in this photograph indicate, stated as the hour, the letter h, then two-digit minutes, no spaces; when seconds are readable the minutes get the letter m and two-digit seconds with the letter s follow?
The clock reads 2h47m47s
